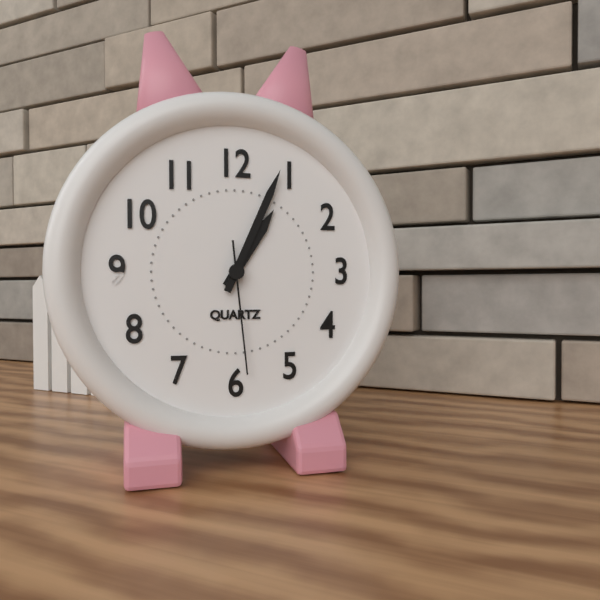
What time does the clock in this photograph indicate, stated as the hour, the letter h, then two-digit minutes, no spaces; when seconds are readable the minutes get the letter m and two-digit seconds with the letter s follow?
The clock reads 1h04m29s
